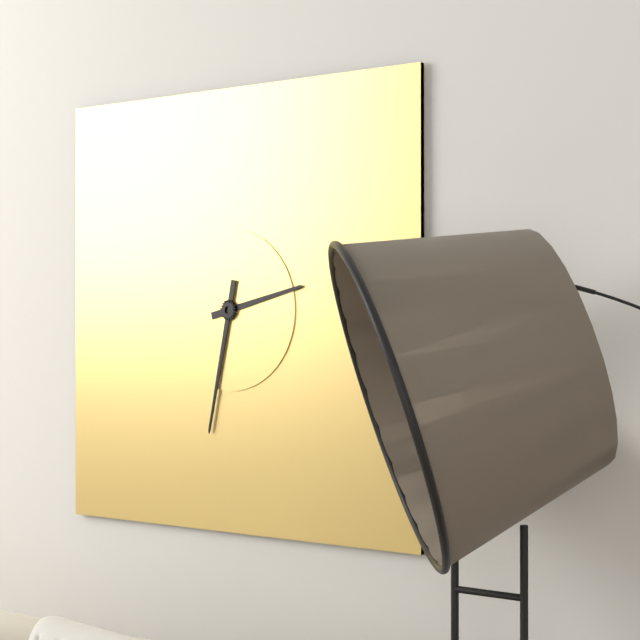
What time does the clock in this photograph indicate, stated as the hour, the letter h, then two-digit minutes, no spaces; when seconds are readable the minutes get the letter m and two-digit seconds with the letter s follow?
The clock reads 2h32
